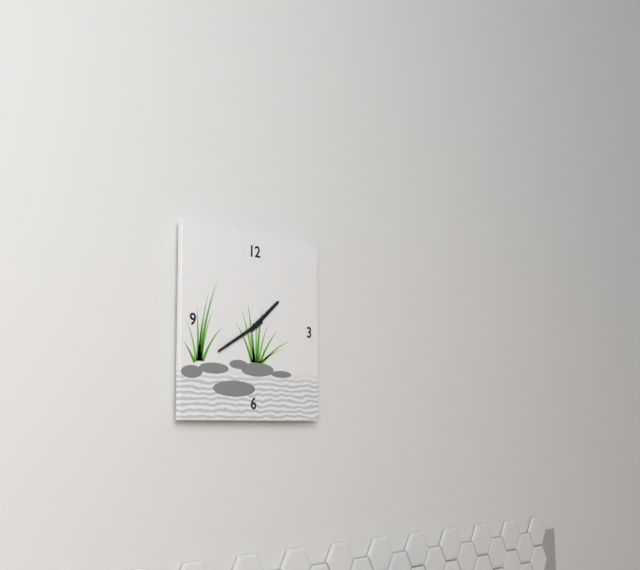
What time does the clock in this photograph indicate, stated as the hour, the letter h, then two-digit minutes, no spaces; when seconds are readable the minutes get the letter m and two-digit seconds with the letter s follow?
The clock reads 1h40
